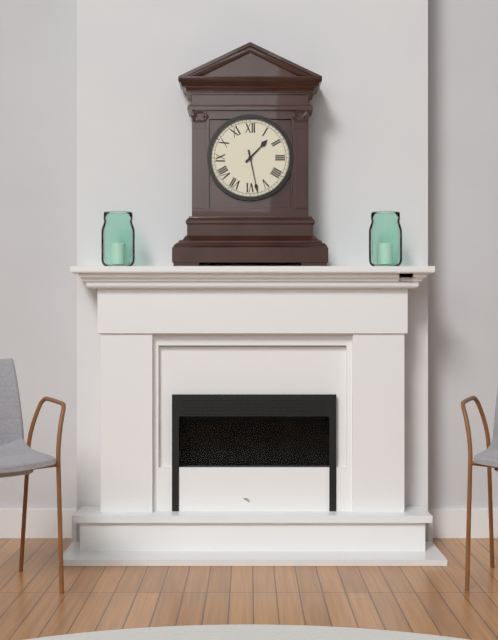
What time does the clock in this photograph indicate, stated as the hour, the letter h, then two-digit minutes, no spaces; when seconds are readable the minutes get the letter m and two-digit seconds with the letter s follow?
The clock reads 1h28
